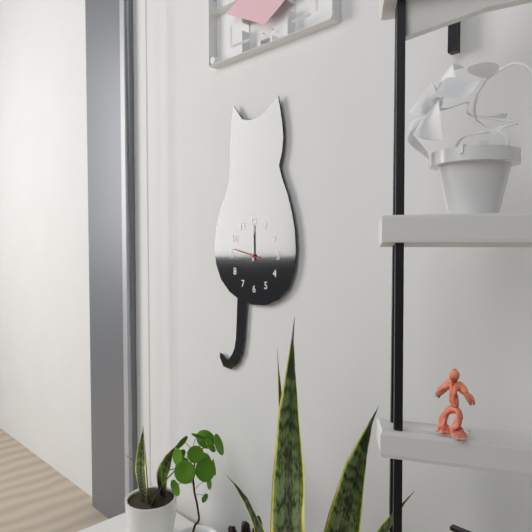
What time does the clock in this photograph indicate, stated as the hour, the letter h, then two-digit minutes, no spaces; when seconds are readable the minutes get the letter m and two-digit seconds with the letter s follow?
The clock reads 12h00
